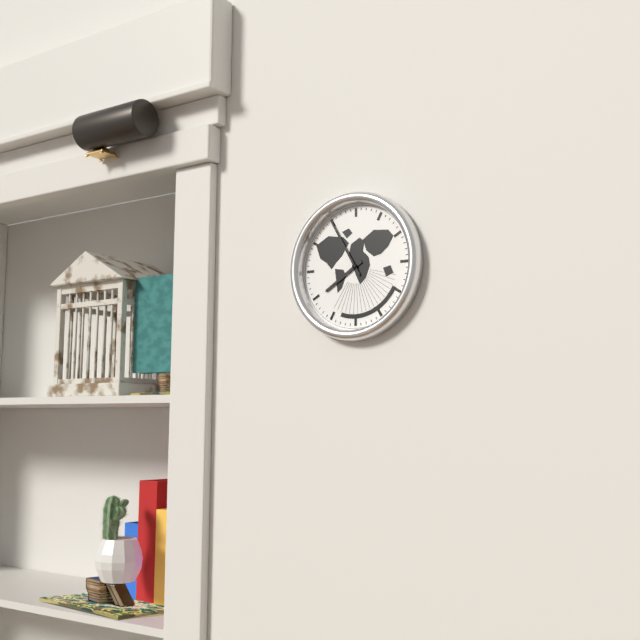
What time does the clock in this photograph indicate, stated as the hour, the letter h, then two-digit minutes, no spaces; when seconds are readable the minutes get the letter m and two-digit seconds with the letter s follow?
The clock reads 7h55
